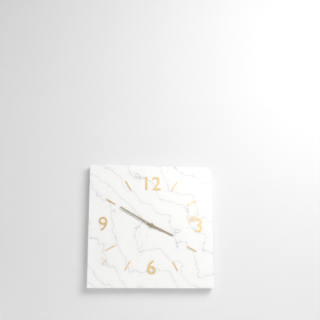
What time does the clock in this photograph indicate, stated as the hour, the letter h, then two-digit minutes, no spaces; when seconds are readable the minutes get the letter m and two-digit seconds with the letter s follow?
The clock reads 3h50
